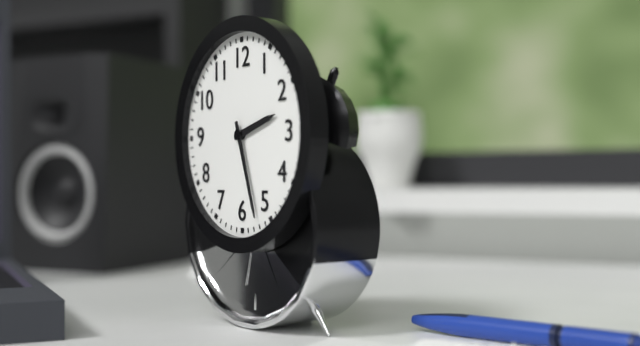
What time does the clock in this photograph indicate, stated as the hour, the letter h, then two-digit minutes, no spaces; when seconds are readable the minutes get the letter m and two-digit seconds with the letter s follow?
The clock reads 2h27
